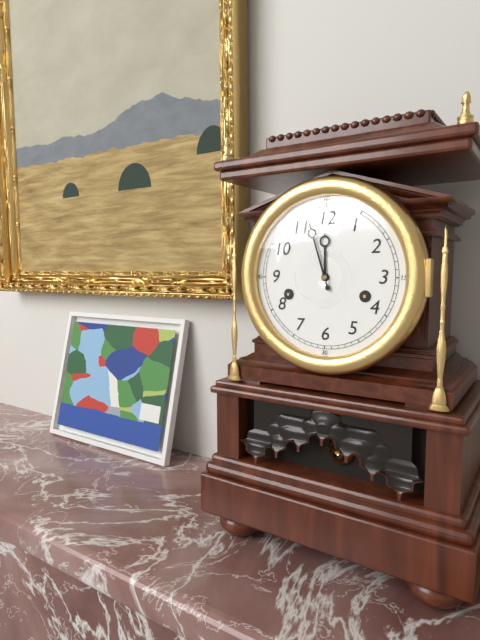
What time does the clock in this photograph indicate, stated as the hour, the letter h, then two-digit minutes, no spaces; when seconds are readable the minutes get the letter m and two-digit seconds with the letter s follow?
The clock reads 11h57
